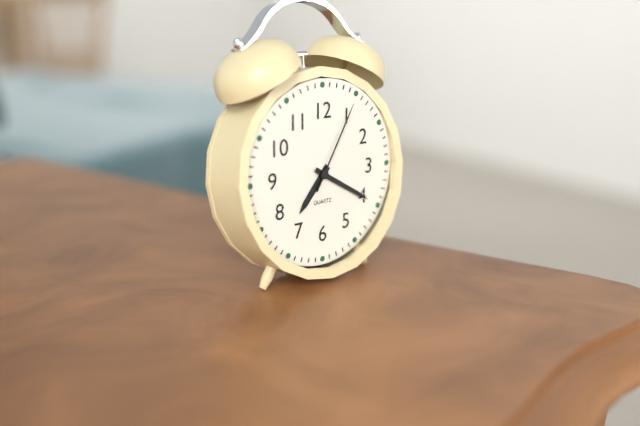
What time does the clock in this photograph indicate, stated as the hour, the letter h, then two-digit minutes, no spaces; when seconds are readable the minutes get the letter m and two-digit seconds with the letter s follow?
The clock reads 7h20m05s
